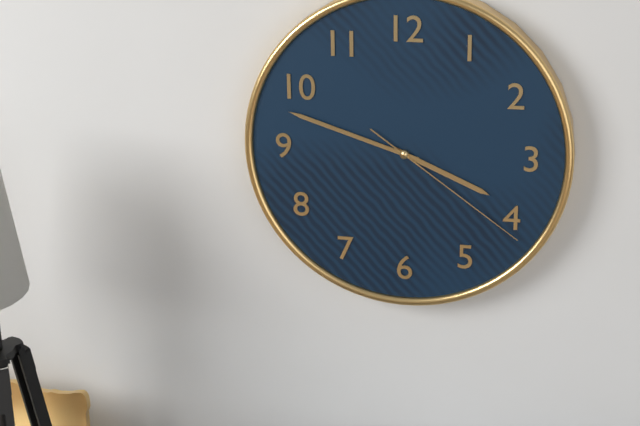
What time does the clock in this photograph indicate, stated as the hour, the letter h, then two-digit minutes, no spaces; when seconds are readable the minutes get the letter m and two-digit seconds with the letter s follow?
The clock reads 3h48m21s
